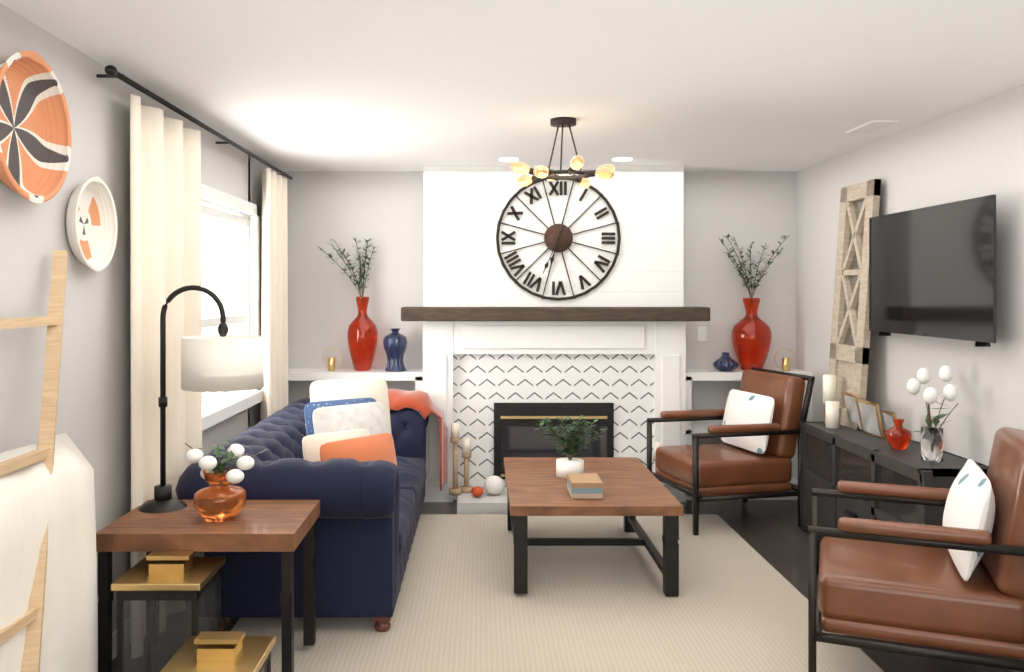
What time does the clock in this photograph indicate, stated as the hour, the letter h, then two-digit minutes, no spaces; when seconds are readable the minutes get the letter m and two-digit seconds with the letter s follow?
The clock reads 6h34
